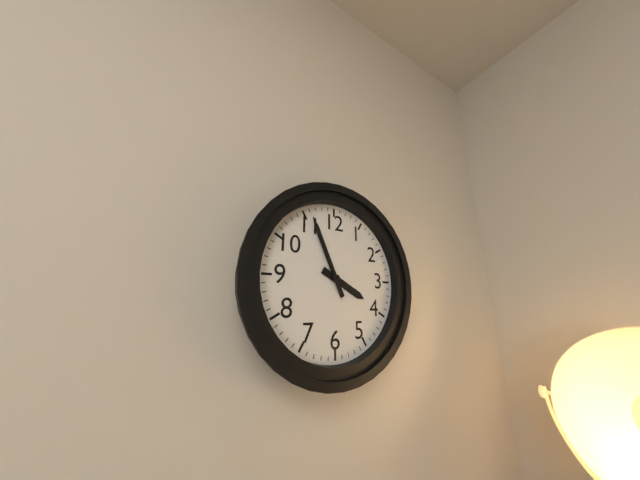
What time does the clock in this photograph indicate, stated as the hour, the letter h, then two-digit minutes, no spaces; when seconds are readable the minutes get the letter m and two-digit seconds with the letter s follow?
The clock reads 3h56
